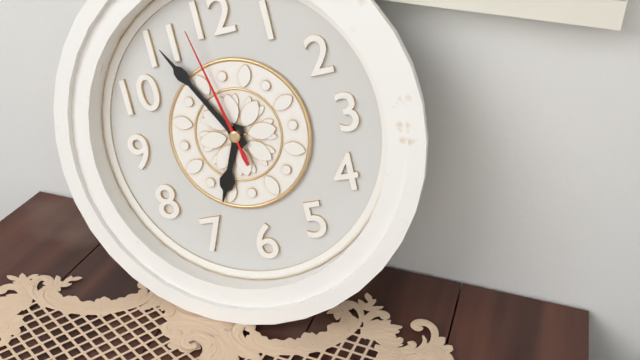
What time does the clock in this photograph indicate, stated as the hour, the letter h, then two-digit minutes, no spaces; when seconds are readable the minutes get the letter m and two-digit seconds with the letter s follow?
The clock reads 6h55m58s
